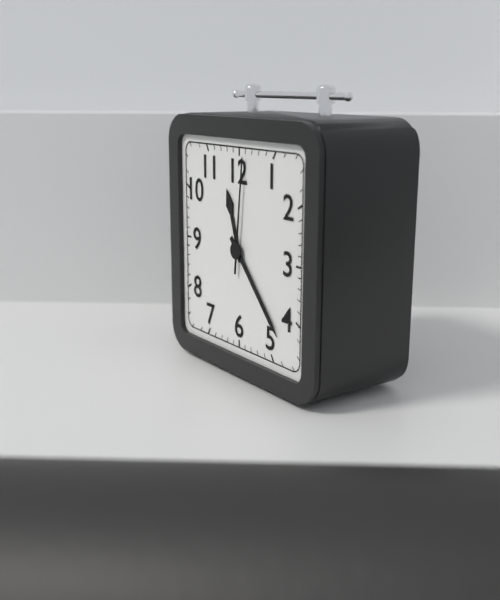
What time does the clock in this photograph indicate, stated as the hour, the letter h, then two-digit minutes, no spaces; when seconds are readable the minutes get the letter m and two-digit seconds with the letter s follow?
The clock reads 11h23m01s
